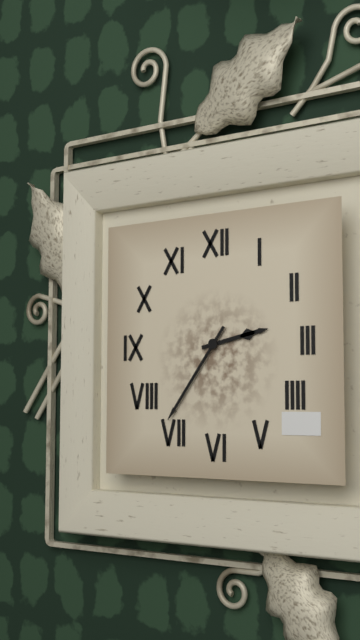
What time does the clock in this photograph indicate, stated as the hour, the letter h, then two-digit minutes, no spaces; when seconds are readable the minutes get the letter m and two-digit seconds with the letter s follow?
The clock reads 2h36
